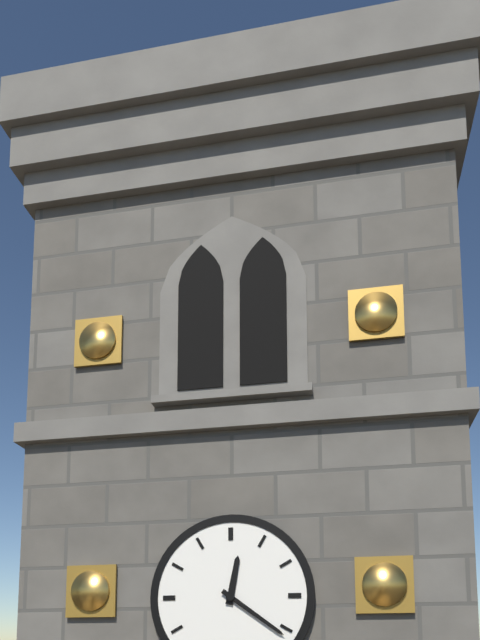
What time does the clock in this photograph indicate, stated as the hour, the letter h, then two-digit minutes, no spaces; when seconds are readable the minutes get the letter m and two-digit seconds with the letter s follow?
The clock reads 12h21
